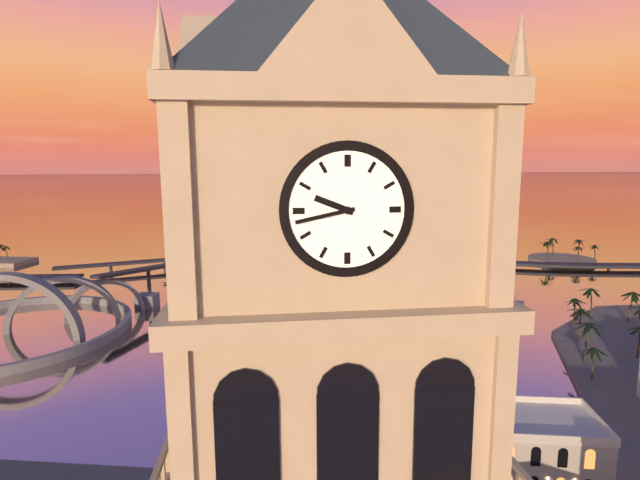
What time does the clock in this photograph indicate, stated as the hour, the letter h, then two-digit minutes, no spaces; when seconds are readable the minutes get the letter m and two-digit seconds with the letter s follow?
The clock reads 9h43
